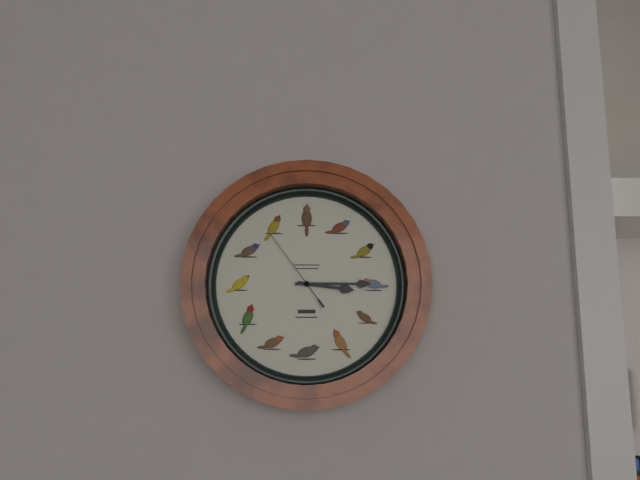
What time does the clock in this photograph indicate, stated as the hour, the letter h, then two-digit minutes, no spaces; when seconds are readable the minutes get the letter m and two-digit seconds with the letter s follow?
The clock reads 3h15m54s
